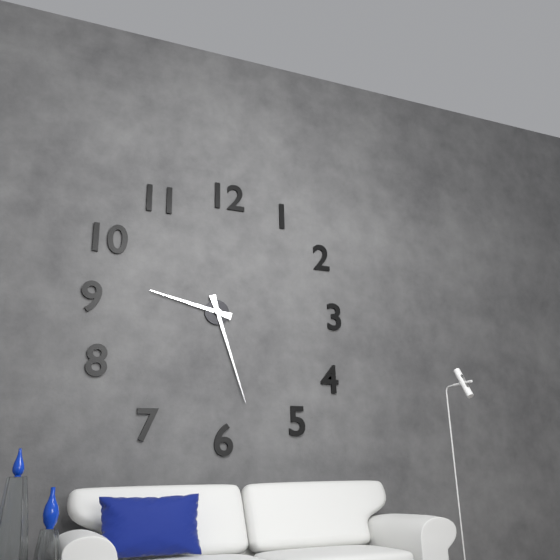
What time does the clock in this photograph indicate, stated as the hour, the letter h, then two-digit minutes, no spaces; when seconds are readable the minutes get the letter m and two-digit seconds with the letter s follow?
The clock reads 9h27
